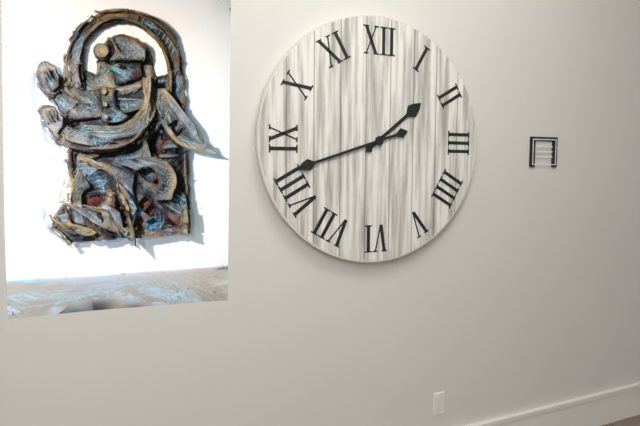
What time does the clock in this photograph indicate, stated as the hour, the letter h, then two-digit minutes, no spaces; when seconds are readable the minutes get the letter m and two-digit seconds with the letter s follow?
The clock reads 1h42
